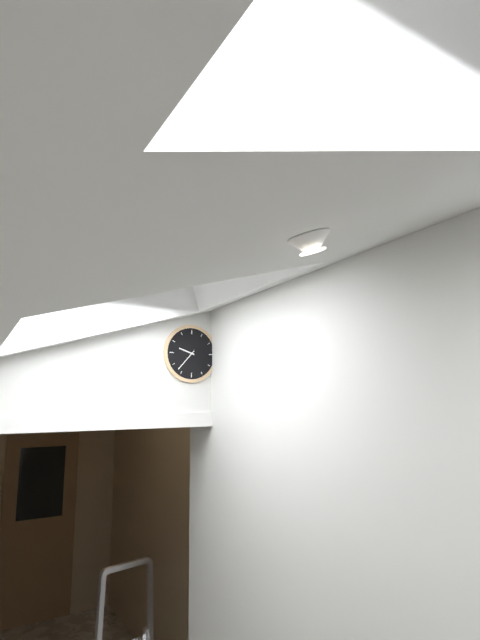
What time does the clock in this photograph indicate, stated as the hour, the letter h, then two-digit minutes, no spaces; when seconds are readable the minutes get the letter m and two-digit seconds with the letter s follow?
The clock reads 9h37
